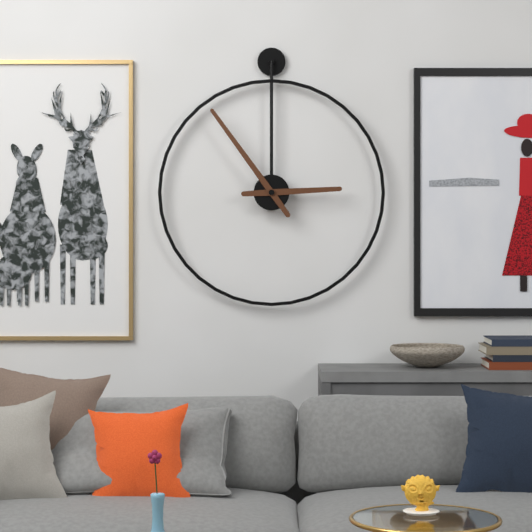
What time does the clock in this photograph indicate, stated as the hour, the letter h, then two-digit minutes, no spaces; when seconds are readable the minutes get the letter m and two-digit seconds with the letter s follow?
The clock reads 2h54
